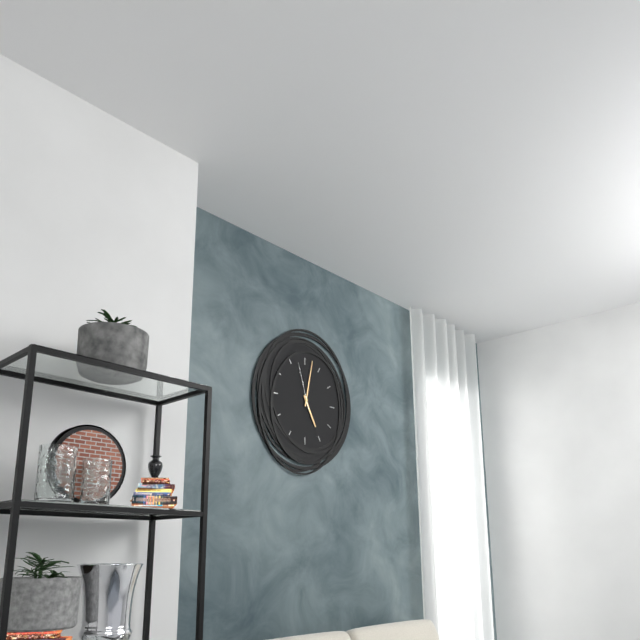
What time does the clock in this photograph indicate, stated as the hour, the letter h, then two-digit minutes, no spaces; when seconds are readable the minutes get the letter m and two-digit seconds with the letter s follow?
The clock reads 5h02
